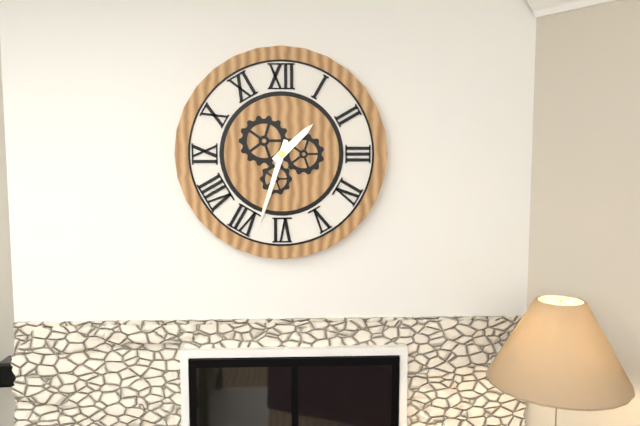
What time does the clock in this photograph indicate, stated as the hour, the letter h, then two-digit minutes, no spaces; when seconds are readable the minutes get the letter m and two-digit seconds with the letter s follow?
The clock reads 1h33
